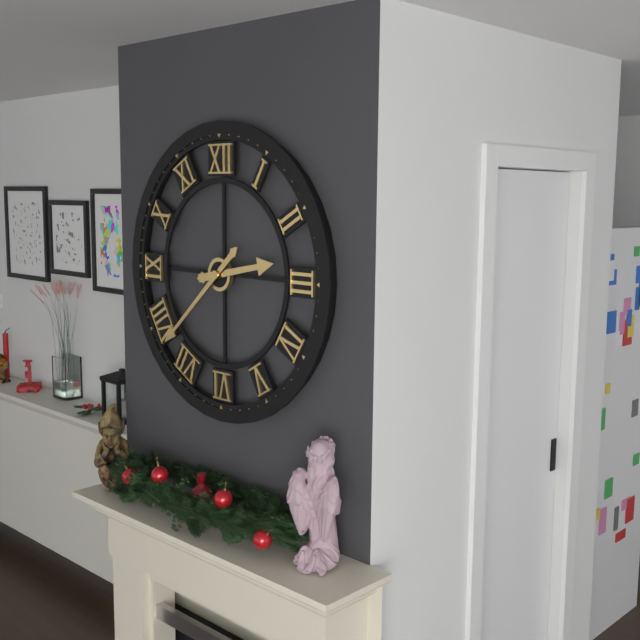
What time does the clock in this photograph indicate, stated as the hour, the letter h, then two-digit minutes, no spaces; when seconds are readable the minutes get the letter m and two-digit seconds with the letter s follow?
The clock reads 2h38
